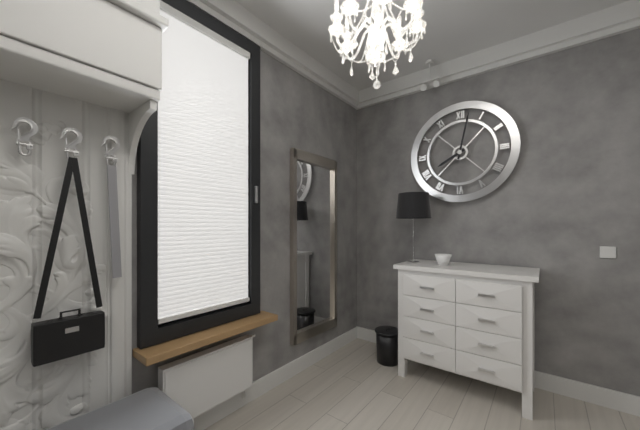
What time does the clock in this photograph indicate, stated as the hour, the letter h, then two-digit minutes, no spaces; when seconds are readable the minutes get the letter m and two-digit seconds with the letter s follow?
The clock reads 8h02
